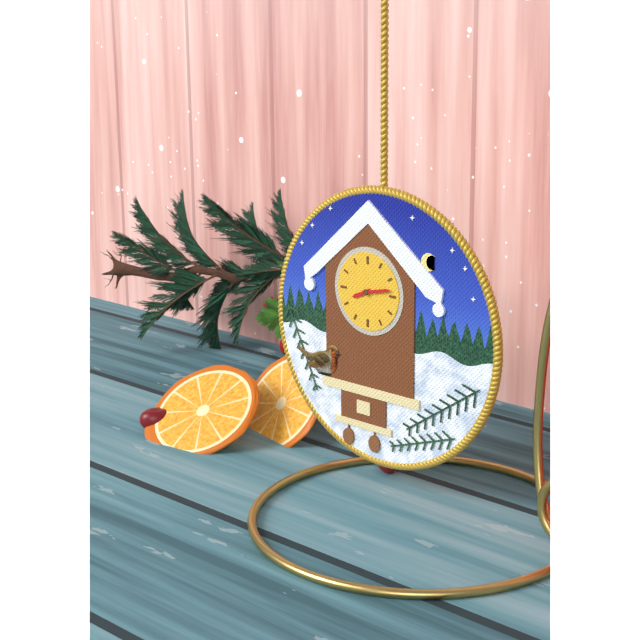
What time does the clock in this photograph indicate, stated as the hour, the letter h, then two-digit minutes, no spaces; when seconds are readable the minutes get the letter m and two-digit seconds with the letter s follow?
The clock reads 8h13
